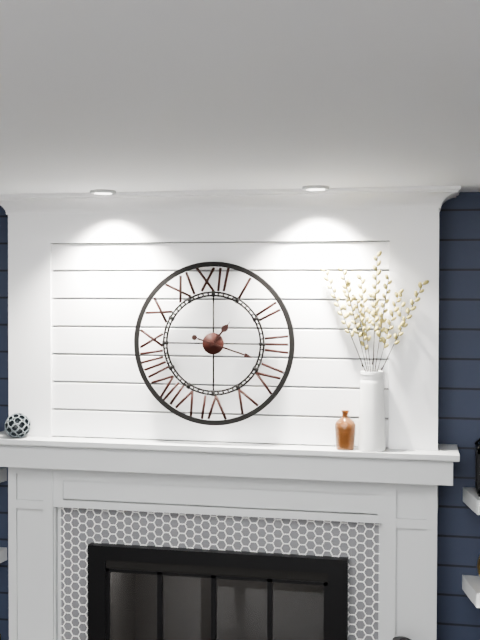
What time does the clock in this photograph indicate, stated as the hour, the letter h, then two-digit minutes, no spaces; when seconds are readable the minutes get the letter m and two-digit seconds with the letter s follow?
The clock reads 1h18
